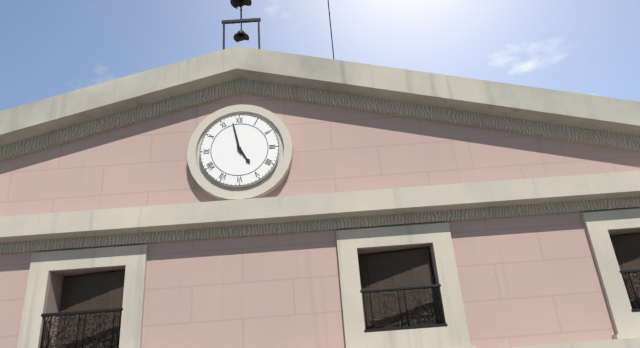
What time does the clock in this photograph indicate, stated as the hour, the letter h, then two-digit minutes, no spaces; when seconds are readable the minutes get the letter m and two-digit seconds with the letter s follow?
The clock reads 4h58
